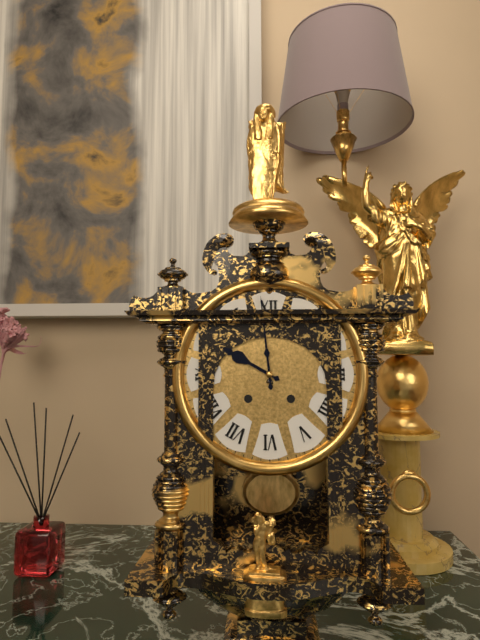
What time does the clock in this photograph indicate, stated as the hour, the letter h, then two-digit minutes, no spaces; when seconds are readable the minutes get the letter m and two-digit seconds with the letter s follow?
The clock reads 9h59
